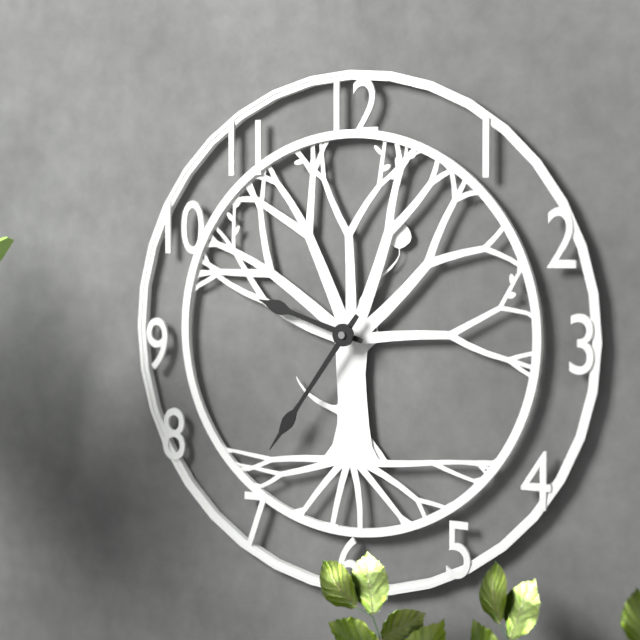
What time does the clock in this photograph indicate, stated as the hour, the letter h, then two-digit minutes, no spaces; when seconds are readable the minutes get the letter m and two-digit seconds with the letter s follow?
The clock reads 9h36
